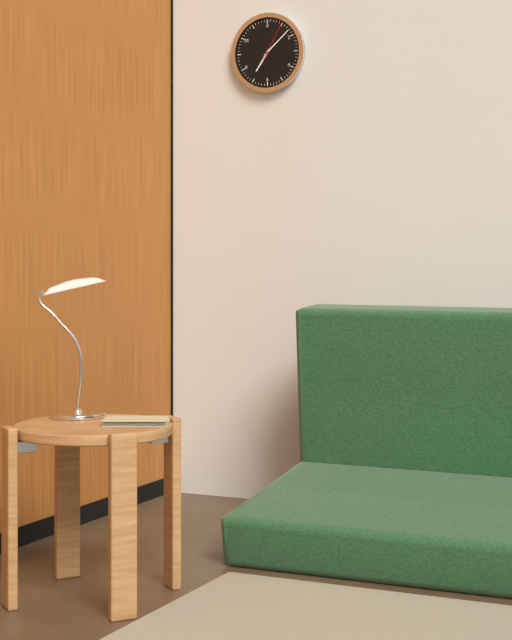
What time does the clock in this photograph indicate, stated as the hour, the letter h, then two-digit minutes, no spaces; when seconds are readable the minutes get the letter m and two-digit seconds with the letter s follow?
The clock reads 7h08
